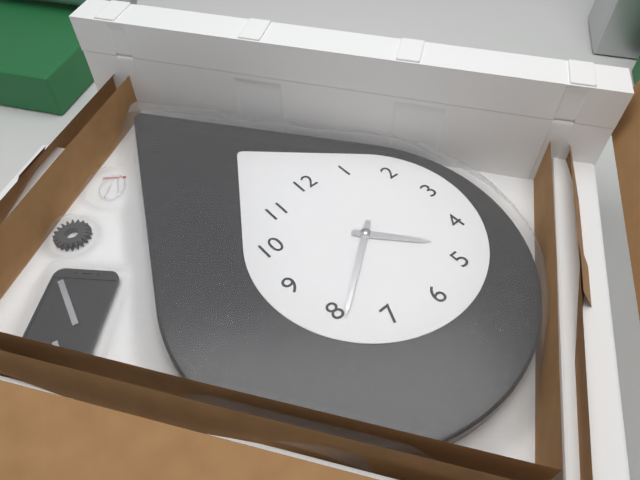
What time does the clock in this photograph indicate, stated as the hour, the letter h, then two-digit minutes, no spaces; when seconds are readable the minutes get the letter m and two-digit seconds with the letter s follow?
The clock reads 4h39
